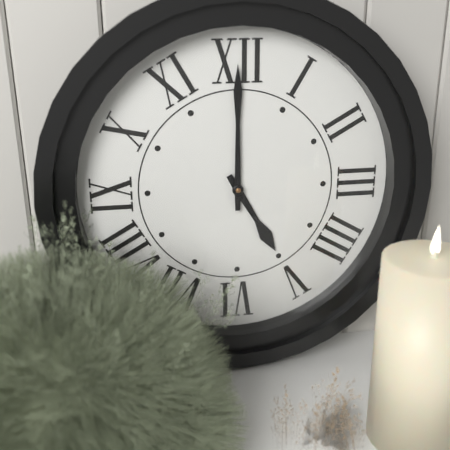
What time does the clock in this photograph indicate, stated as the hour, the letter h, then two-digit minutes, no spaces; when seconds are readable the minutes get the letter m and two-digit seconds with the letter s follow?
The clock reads 5h00
